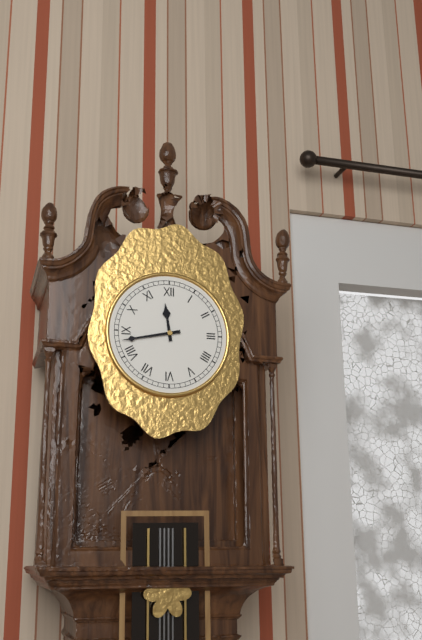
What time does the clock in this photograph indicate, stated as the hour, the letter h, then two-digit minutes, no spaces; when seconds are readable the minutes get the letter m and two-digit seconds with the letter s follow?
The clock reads 11h43
